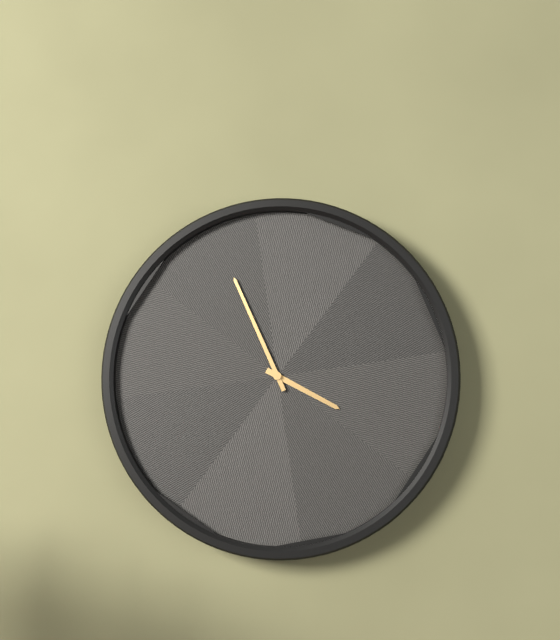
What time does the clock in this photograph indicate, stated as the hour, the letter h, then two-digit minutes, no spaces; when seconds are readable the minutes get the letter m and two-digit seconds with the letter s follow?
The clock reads 3h56
